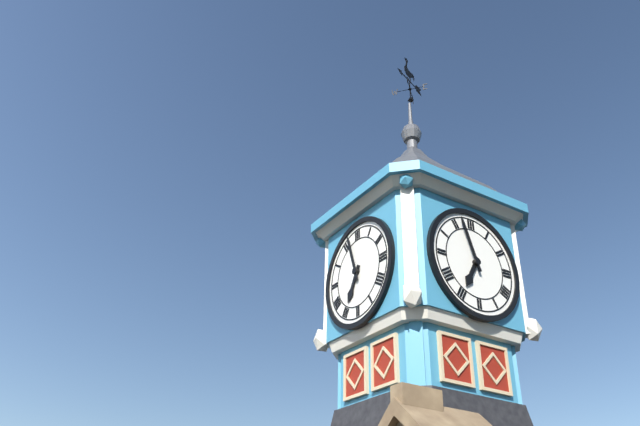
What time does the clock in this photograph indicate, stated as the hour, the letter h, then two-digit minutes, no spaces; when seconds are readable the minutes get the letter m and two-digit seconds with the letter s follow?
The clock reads 6h57
